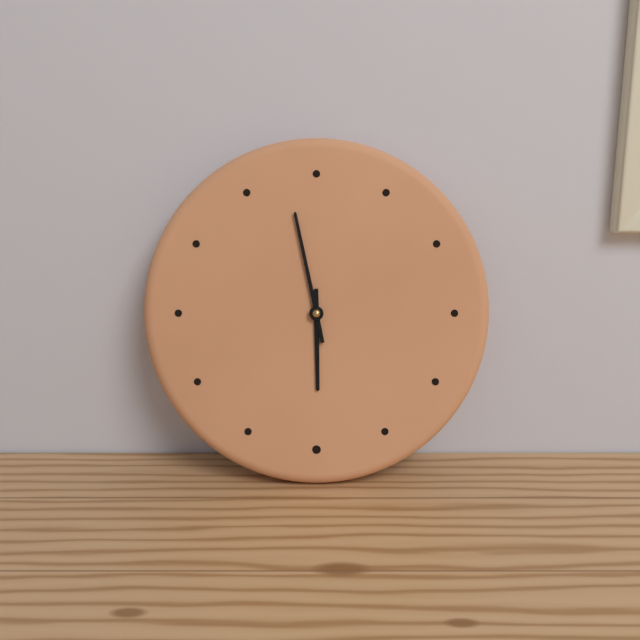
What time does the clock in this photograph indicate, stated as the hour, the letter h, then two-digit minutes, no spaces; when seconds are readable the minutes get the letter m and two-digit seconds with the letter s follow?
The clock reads 5h58
